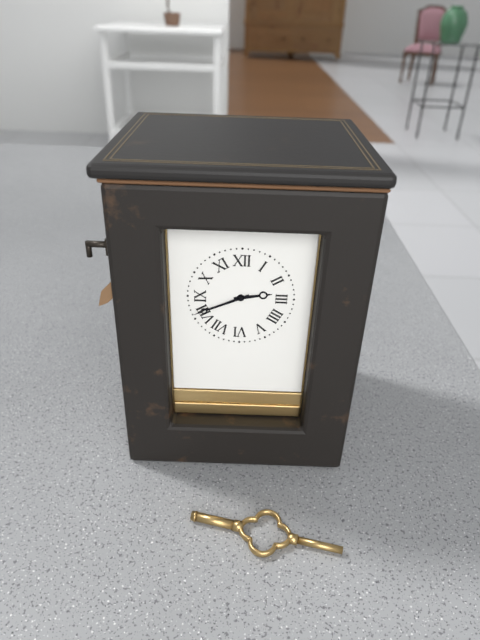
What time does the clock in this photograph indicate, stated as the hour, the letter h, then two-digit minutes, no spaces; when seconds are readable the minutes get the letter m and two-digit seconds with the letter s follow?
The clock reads 2h41
